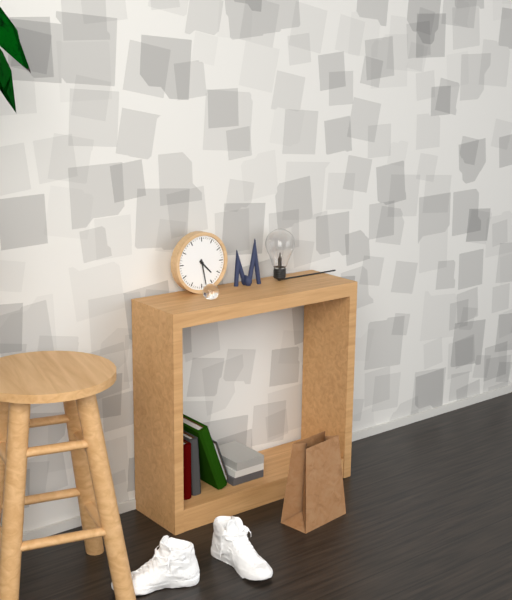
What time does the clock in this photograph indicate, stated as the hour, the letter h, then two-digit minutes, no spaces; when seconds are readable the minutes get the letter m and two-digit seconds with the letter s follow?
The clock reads 4h28
